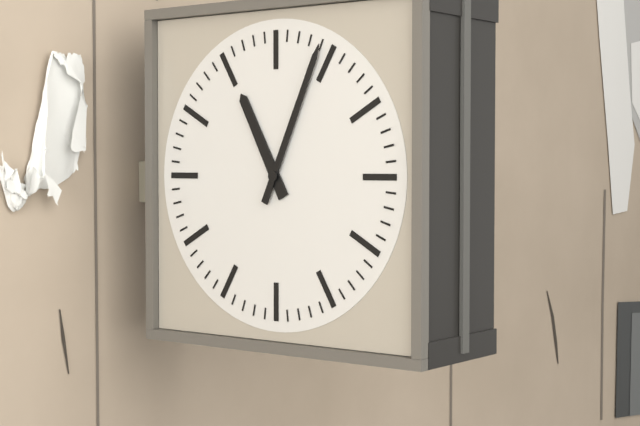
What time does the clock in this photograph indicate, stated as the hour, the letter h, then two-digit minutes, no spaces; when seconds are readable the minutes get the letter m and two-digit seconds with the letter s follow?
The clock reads 11h04
